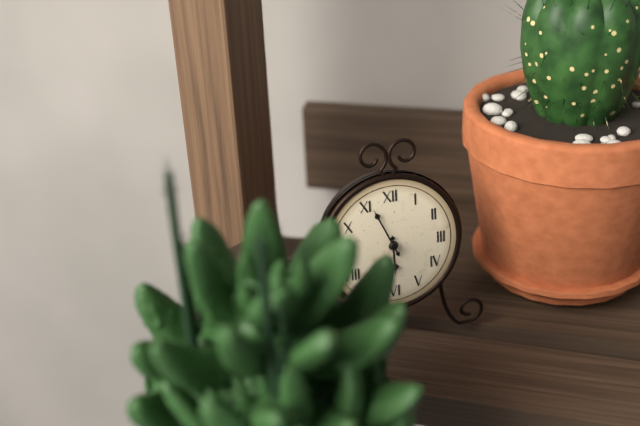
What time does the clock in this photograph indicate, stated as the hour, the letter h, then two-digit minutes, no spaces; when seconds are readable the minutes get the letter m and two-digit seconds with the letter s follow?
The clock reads 5h56
